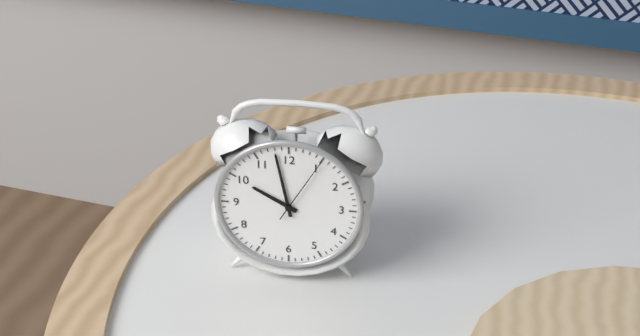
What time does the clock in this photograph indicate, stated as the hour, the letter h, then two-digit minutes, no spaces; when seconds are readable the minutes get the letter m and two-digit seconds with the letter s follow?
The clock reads 9h58m05s
